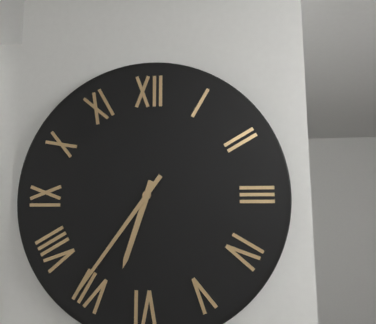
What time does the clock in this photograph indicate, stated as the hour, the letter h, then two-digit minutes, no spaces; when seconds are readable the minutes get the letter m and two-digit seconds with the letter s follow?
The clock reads 6h36
